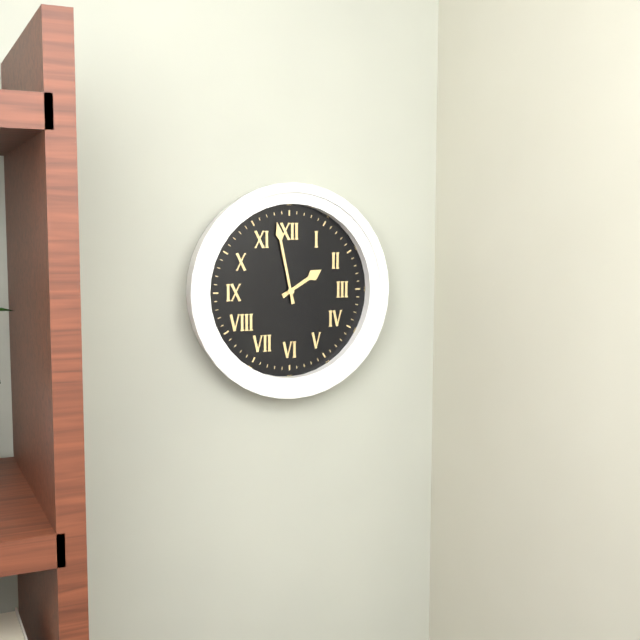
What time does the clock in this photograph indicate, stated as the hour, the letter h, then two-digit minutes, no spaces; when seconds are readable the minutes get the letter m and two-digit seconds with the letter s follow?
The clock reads 1h58
